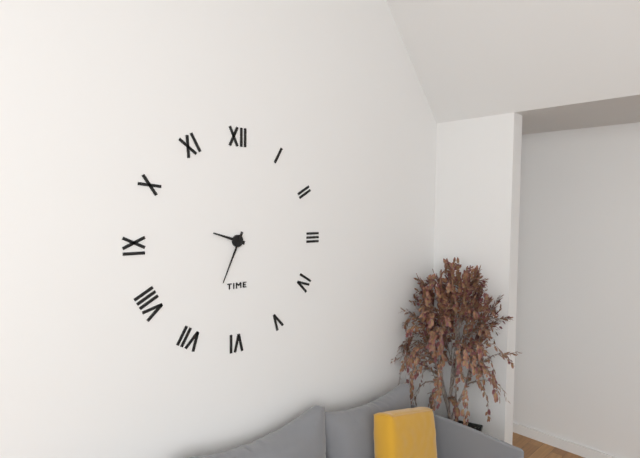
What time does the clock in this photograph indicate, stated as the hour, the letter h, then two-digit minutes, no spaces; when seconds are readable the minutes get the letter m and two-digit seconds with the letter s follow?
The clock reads 9h34
